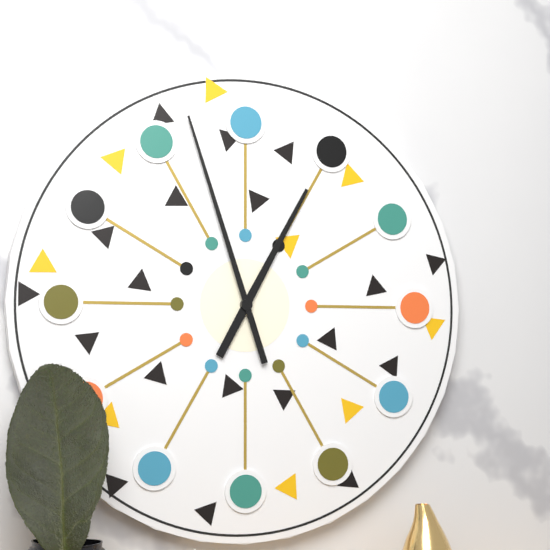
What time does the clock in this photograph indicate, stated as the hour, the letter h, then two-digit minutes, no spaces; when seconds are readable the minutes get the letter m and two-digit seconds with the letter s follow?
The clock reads 12h57
